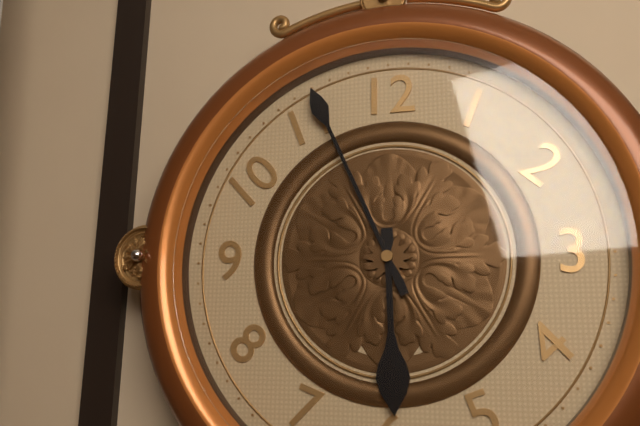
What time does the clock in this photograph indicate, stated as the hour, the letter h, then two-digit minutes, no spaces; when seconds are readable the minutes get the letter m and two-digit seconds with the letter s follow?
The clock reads 5h56
